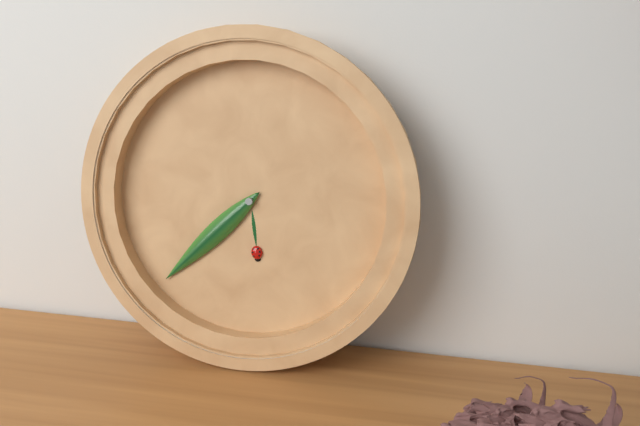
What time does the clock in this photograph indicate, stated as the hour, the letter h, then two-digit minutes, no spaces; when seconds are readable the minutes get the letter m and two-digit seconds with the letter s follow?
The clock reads 5h37
